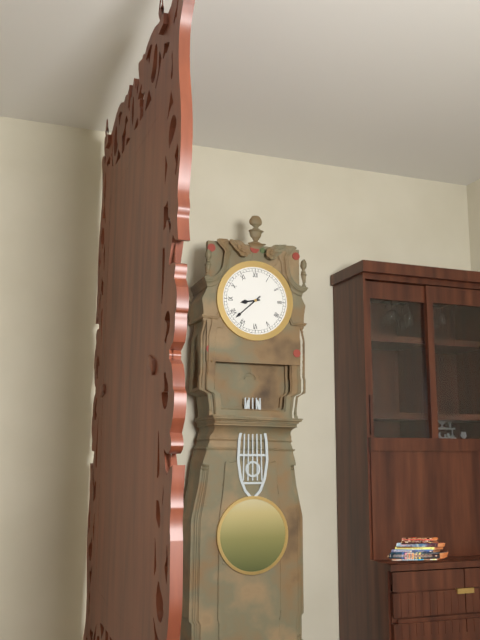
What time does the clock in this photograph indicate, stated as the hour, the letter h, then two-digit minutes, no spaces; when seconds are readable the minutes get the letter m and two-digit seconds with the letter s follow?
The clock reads 8h38
